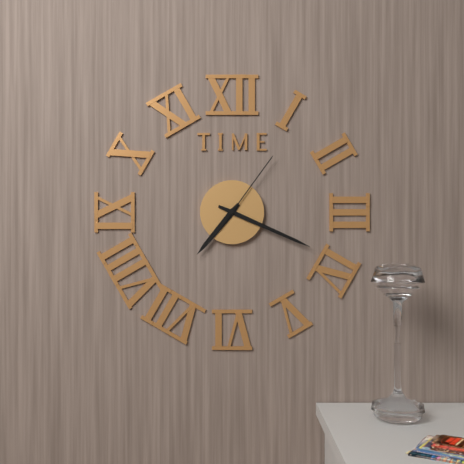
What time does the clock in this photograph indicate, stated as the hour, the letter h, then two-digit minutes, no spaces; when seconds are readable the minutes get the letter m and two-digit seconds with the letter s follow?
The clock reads 7h19m06s
